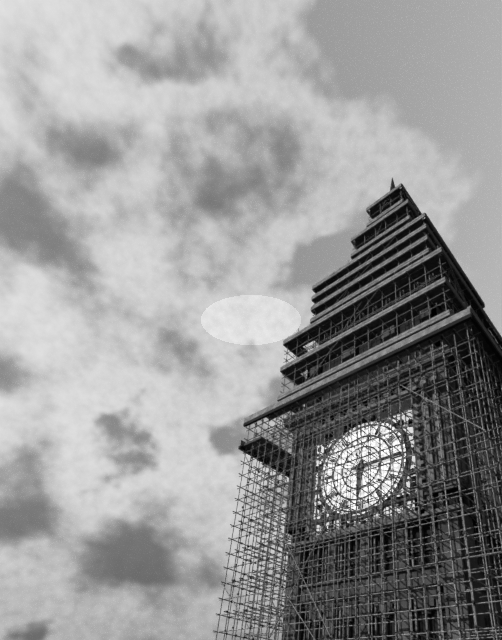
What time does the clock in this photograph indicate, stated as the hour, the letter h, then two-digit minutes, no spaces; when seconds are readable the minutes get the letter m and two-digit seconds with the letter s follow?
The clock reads 6h15
